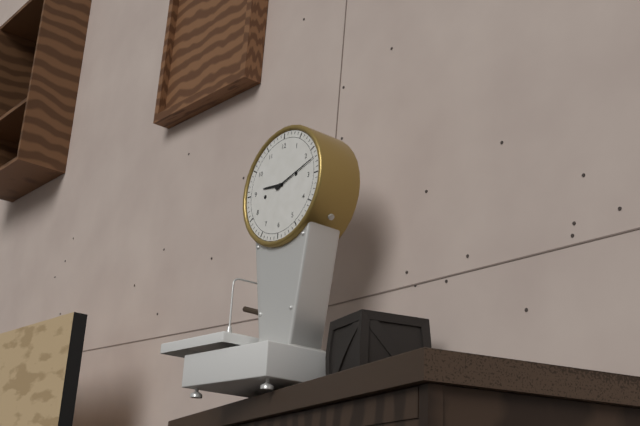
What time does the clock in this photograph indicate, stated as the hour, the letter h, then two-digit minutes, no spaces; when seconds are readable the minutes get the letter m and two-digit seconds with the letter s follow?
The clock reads 9h12
